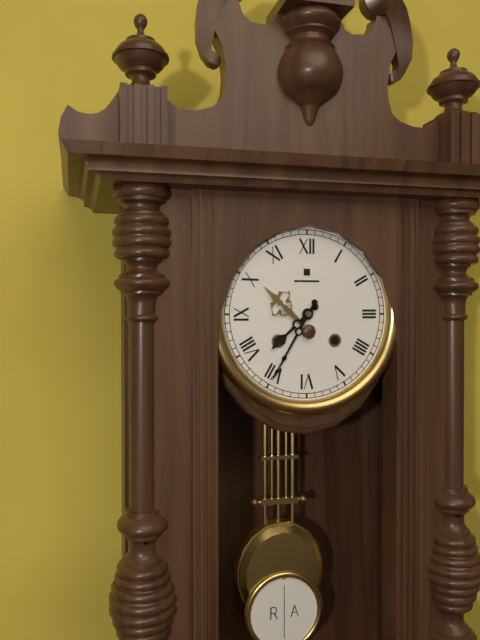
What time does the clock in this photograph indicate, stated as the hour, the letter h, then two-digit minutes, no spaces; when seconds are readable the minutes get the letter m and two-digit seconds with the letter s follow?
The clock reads 7h35
